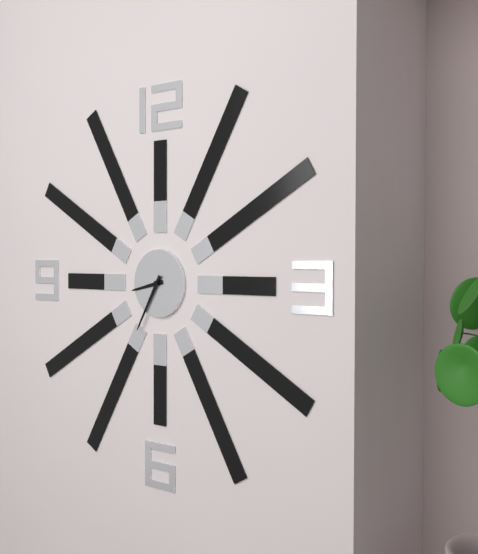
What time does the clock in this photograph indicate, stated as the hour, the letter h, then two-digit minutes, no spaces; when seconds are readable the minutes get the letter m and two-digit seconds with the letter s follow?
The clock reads 8h35
